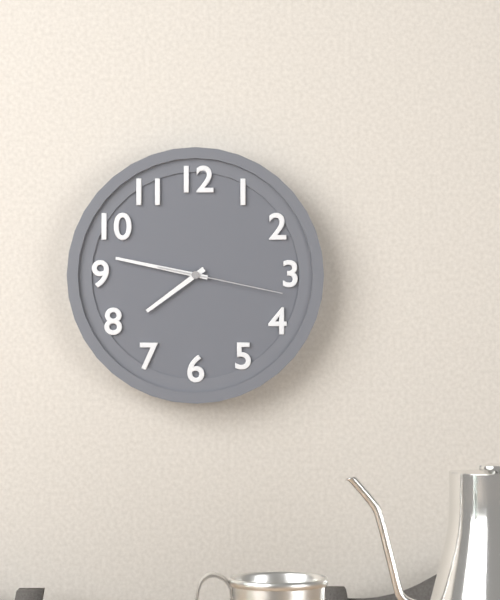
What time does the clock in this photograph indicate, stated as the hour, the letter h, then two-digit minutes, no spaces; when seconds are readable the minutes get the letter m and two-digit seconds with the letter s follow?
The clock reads 7h47m17s
